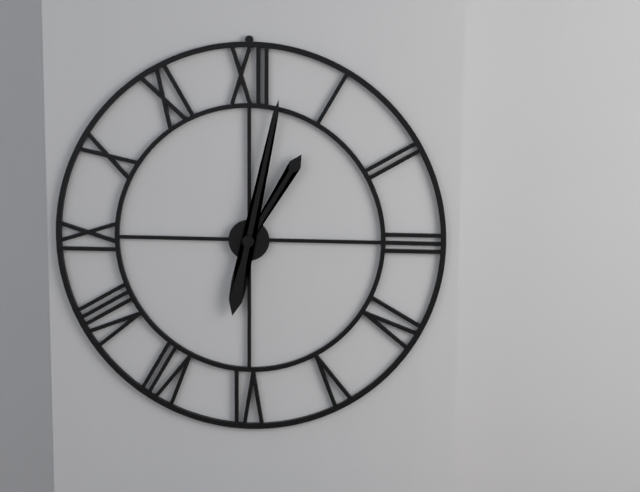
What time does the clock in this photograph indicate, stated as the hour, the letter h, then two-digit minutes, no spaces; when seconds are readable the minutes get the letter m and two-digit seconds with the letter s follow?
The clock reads 1h02
